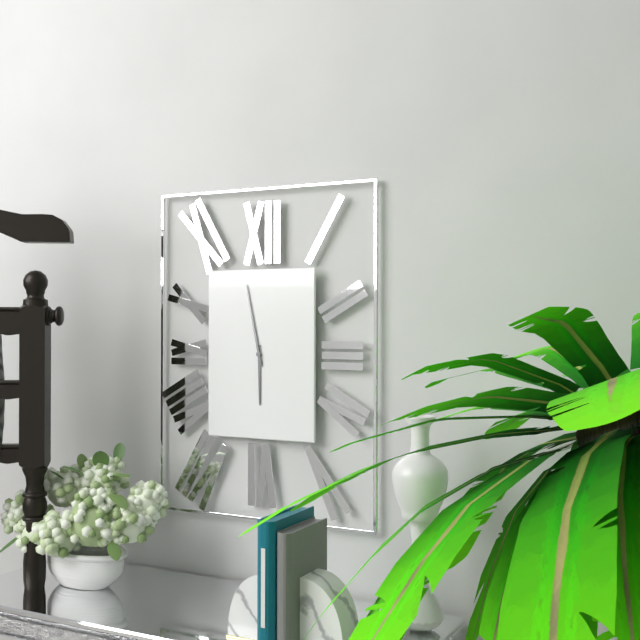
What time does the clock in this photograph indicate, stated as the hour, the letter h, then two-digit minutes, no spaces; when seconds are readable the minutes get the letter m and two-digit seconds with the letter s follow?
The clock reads 5h58
